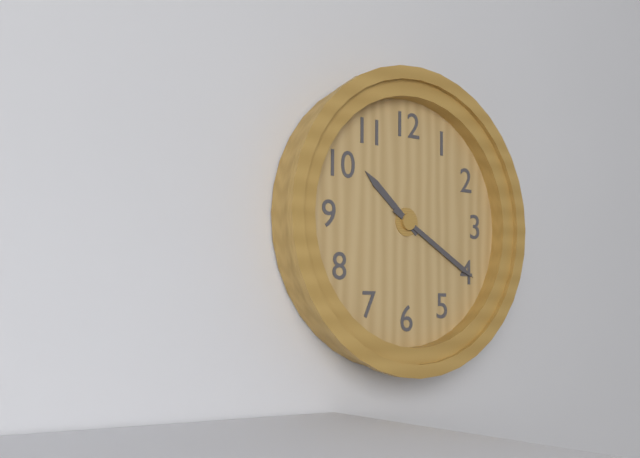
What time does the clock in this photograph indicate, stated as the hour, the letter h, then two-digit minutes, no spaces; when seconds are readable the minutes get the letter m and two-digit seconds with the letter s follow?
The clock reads 10h20
